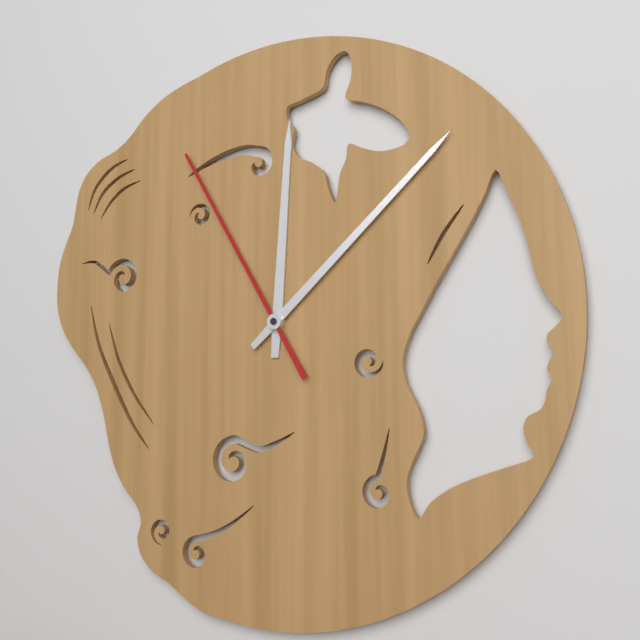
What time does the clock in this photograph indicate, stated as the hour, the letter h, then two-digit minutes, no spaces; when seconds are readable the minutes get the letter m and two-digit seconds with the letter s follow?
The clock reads 12h08m55s
